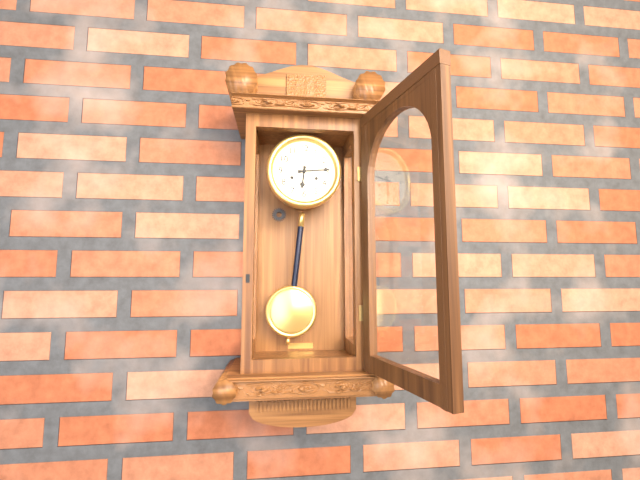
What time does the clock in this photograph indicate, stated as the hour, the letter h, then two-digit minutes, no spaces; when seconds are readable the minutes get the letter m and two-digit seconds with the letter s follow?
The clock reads 6h14
